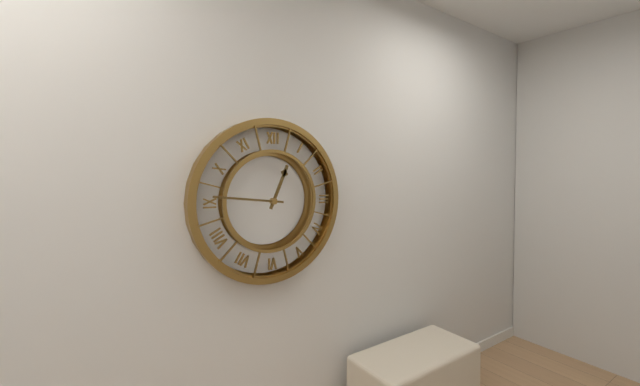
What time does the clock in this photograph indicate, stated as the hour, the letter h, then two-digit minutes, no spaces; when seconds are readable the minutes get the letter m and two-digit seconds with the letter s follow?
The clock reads 12h46
